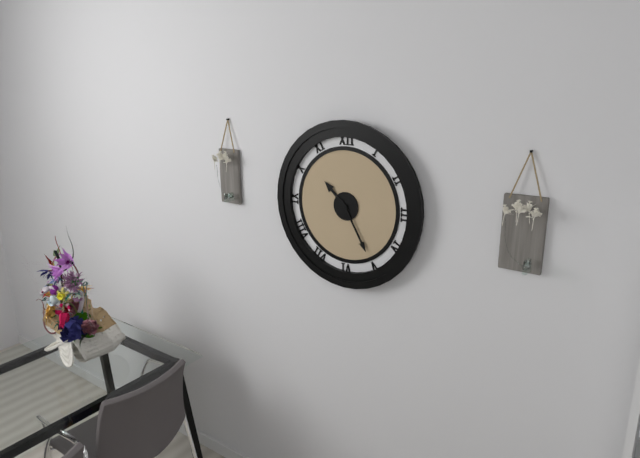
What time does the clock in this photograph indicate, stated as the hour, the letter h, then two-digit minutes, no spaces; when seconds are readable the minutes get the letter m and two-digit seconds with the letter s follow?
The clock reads 10h25
